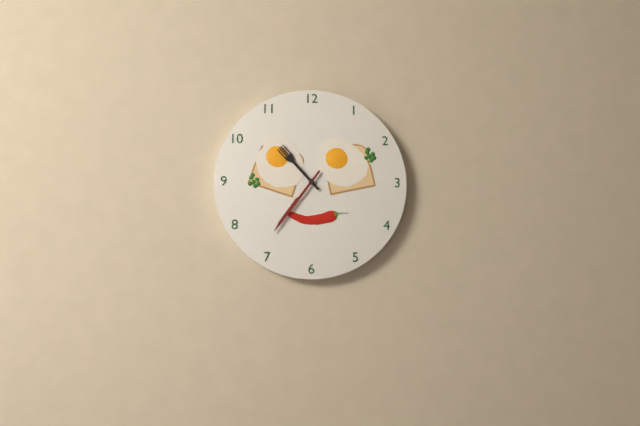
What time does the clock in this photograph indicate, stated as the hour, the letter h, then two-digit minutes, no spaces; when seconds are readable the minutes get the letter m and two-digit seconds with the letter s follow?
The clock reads 10h36
